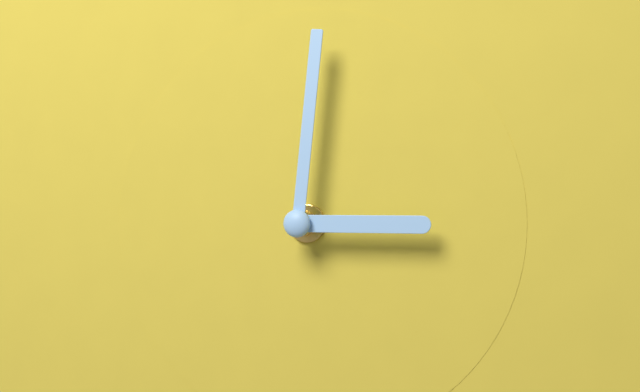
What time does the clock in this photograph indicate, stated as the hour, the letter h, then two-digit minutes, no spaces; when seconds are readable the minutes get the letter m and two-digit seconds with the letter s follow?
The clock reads 3h01
